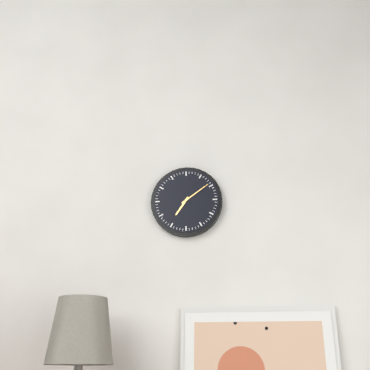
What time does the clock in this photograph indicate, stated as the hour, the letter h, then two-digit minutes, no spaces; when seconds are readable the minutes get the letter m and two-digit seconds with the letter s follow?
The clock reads 7h09
